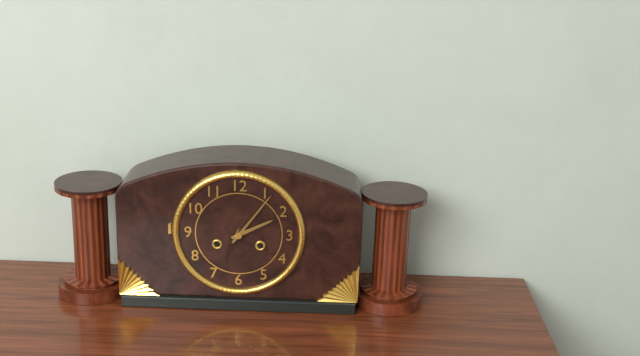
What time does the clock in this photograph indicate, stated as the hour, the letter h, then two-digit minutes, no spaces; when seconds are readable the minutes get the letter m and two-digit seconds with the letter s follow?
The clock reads 2h06
